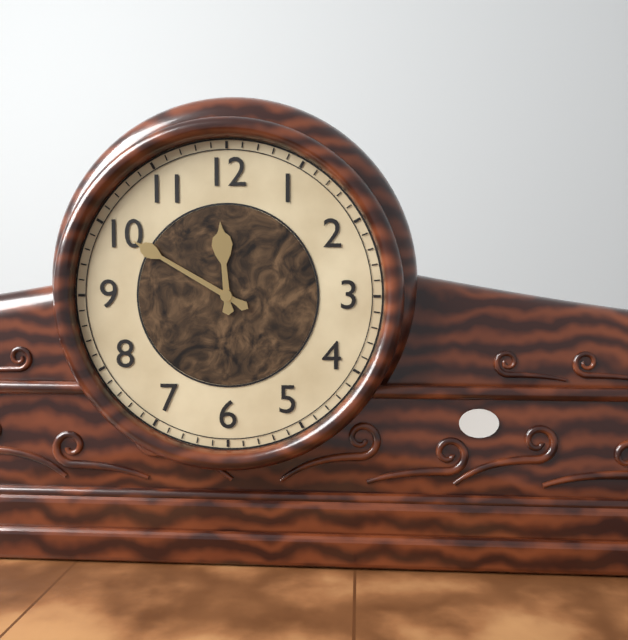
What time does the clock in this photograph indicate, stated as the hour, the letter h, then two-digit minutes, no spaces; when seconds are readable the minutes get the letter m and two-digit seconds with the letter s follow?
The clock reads 11h50
